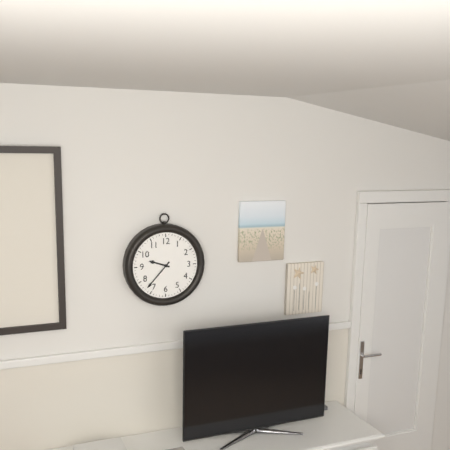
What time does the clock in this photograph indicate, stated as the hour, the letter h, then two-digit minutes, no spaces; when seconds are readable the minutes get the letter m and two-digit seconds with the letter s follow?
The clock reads 9h37
